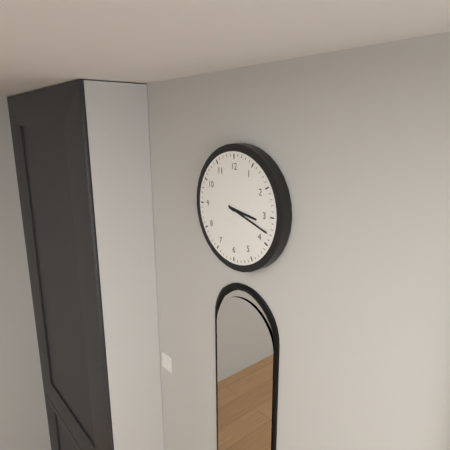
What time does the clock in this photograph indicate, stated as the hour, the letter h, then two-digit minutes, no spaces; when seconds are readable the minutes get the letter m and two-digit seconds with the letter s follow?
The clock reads 3h18
